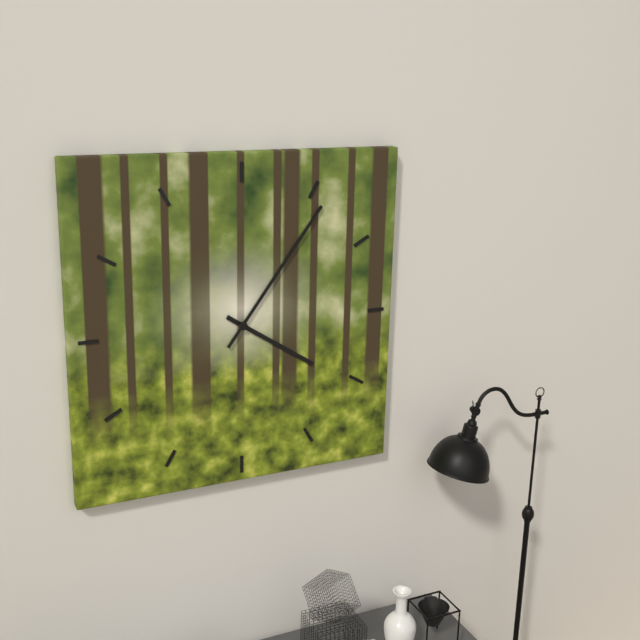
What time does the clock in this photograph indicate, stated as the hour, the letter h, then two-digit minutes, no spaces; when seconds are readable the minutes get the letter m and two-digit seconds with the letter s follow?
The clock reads 4h06
